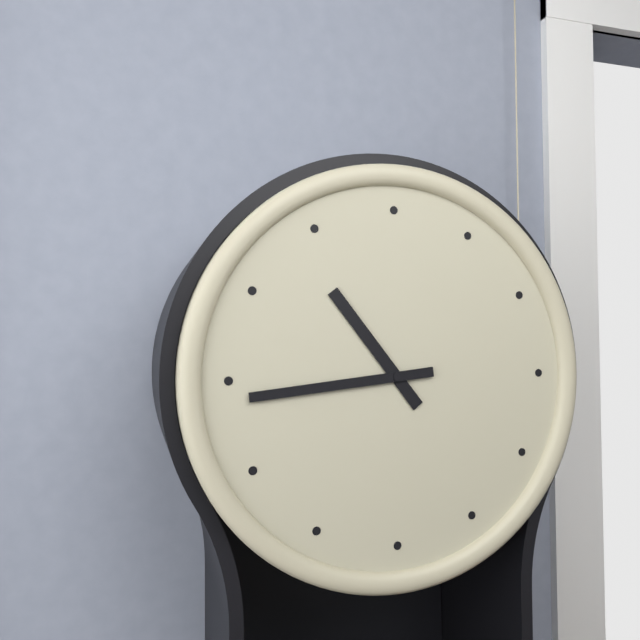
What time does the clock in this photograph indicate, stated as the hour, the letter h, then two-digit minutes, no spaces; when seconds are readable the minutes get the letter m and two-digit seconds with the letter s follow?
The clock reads 10h44
